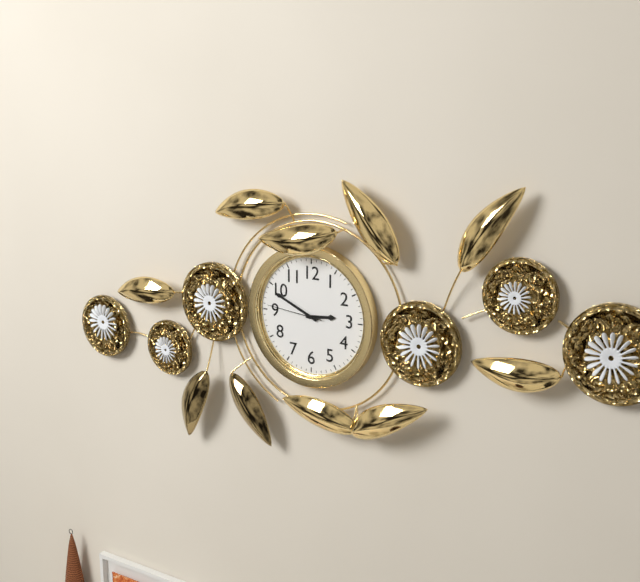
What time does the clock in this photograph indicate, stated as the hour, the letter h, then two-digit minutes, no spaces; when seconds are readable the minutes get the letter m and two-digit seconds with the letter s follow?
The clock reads 2h49m46s
